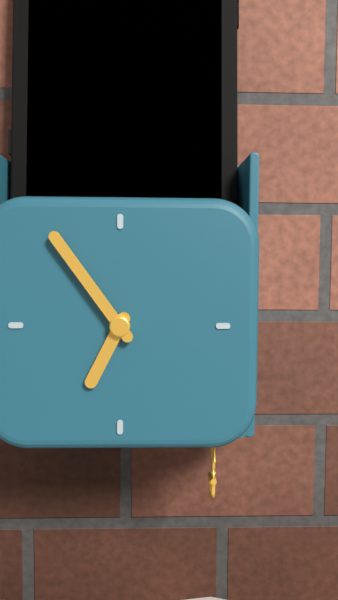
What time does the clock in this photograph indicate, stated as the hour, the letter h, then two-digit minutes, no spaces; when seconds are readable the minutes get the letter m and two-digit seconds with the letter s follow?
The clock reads 6h54
